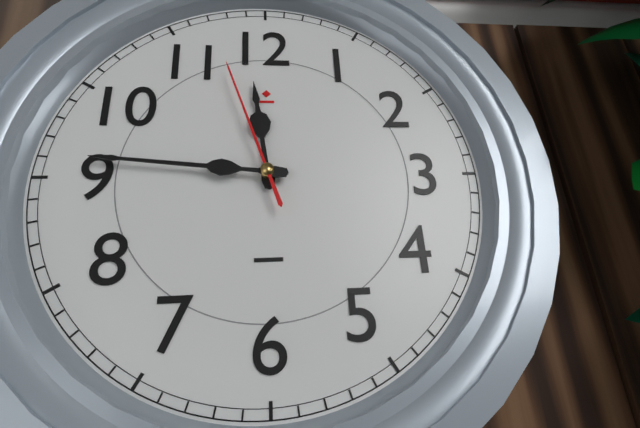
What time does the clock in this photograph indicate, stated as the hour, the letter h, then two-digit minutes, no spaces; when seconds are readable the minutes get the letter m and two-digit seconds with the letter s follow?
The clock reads 11h46m57s
